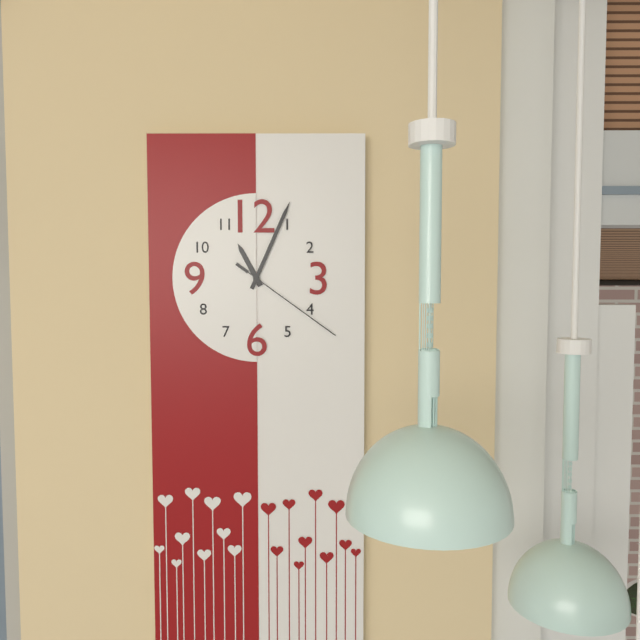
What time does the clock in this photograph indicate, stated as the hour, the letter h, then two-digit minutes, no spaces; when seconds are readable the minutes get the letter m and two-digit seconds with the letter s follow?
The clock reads 11h04m21s
